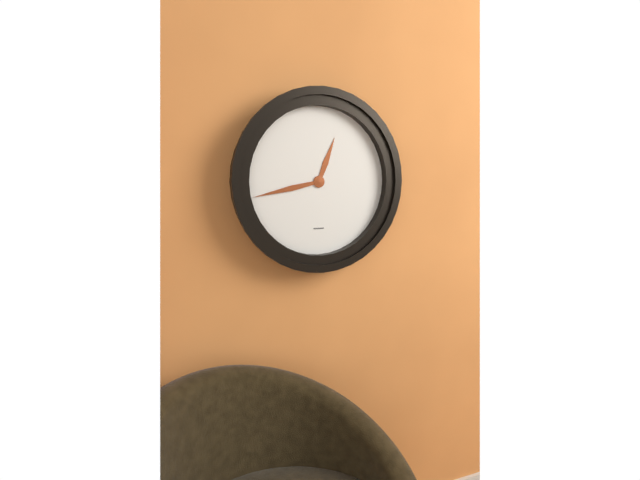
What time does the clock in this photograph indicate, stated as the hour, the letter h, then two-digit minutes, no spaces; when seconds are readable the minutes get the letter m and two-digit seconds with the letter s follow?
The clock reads 12h43
